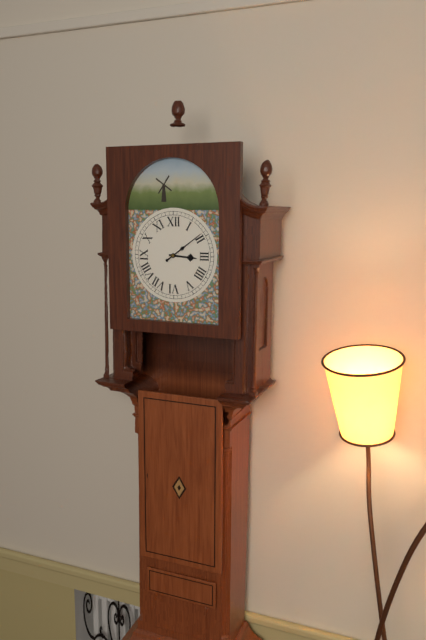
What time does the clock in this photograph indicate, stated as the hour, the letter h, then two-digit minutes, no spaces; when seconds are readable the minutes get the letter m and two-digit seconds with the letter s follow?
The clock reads 3h09
